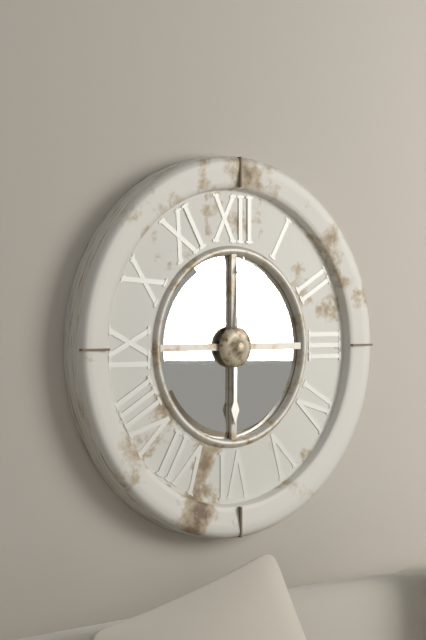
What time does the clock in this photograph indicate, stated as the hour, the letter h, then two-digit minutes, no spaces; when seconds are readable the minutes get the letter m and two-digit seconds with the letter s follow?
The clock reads 6h01
